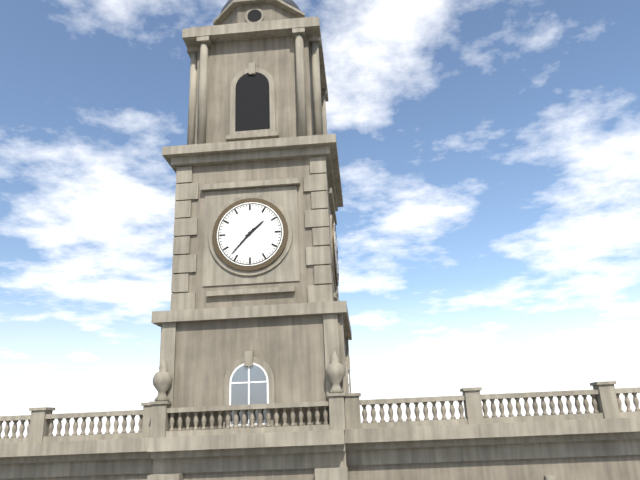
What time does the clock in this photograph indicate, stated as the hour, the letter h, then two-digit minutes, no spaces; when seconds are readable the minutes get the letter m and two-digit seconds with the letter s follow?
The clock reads 1h37
